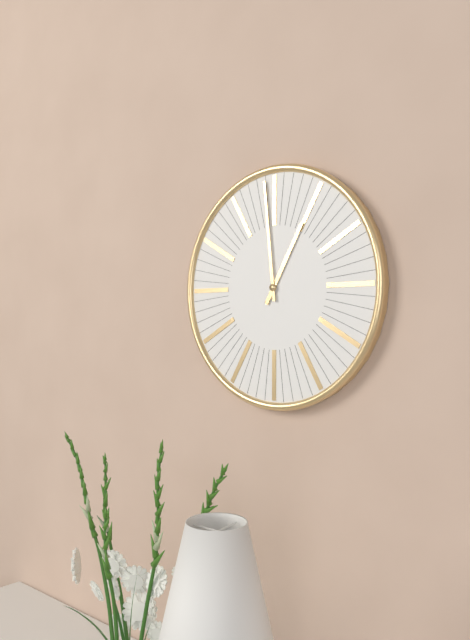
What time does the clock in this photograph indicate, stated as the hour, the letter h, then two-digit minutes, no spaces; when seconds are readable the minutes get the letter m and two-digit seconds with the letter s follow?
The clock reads 12h59
